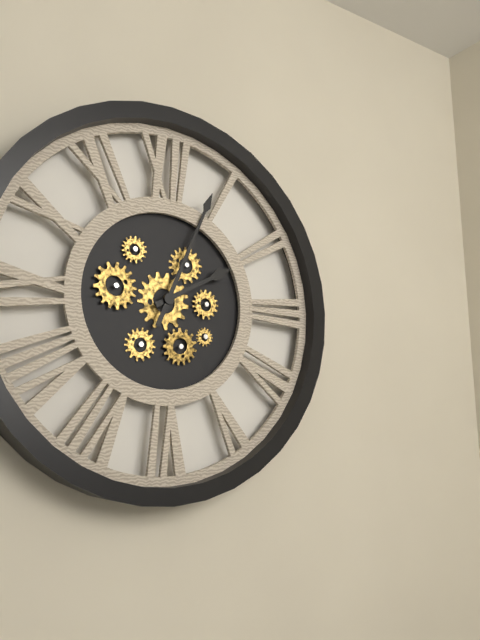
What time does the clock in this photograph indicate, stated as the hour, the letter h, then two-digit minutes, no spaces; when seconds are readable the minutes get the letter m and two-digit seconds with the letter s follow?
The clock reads 2h04
